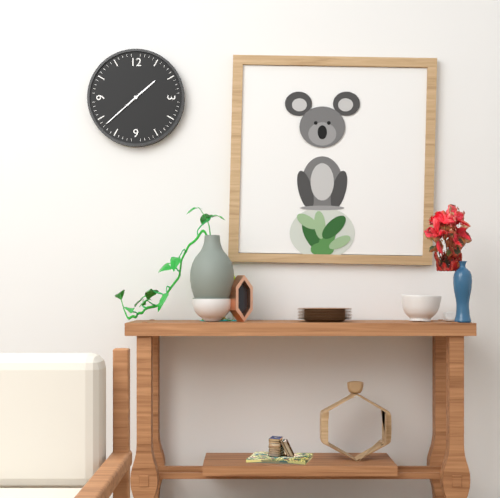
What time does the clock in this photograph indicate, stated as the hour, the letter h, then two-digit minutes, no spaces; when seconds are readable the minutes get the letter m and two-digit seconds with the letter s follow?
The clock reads 1h38
